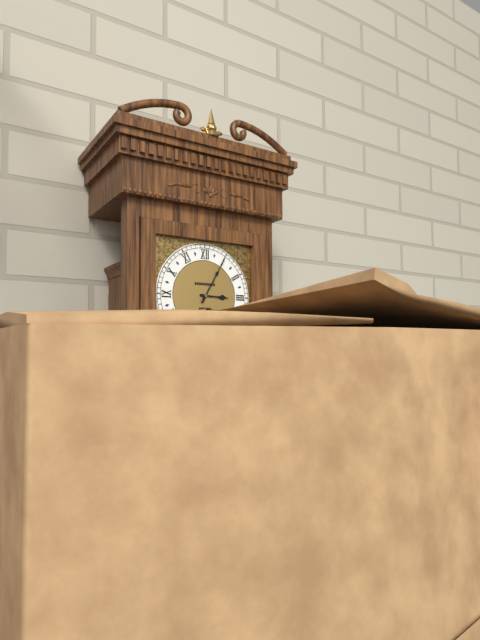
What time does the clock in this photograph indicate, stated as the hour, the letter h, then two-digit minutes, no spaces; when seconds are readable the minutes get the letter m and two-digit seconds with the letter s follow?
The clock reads 3h05
